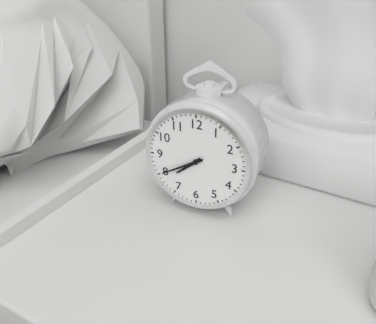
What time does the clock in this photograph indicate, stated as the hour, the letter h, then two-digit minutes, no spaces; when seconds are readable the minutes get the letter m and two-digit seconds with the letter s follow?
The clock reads 7h40
